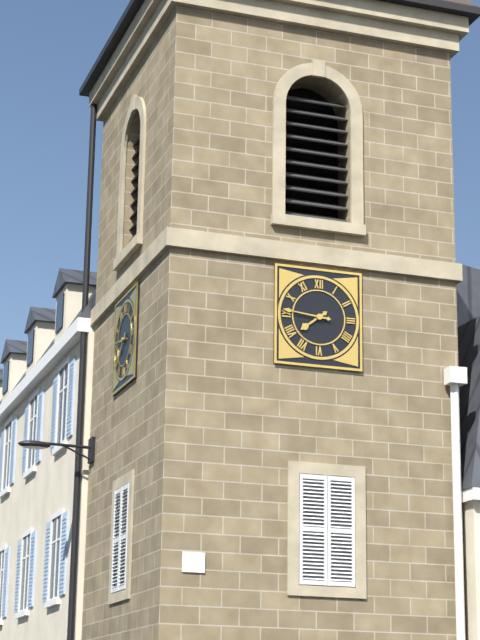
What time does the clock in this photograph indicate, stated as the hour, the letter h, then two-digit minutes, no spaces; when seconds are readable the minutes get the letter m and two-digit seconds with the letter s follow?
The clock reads 7h46
